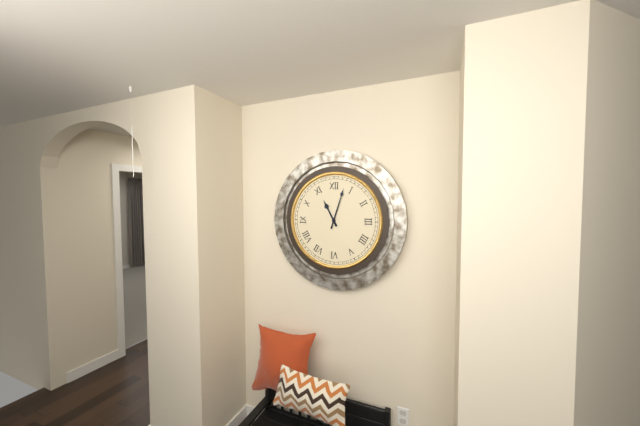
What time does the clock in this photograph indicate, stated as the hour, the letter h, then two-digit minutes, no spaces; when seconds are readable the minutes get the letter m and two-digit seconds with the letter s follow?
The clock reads 11h03
